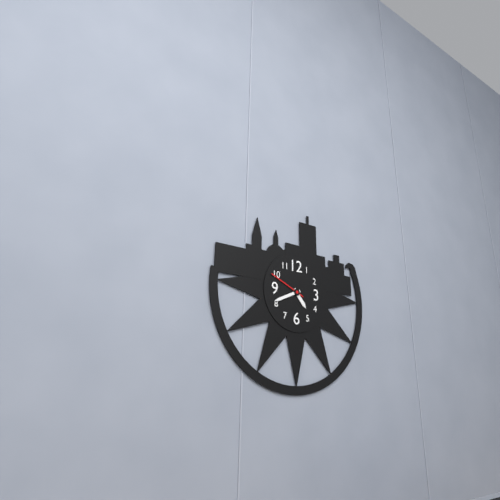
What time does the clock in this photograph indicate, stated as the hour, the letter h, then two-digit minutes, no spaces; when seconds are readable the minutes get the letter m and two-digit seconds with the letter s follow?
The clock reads 4h41
